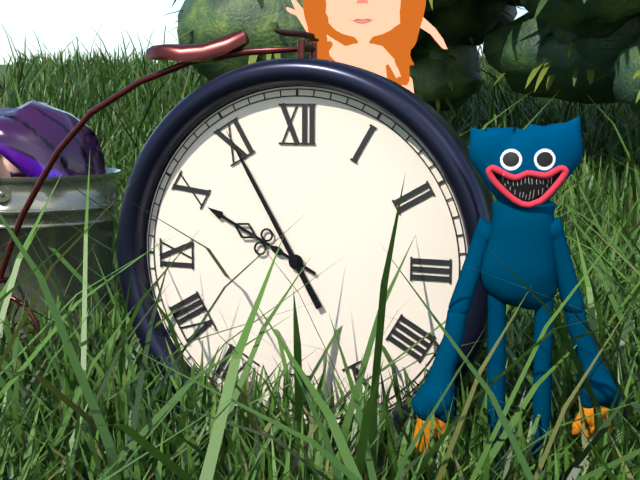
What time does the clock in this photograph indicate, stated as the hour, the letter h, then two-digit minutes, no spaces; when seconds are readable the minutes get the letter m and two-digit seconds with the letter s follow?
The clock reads 9h55
